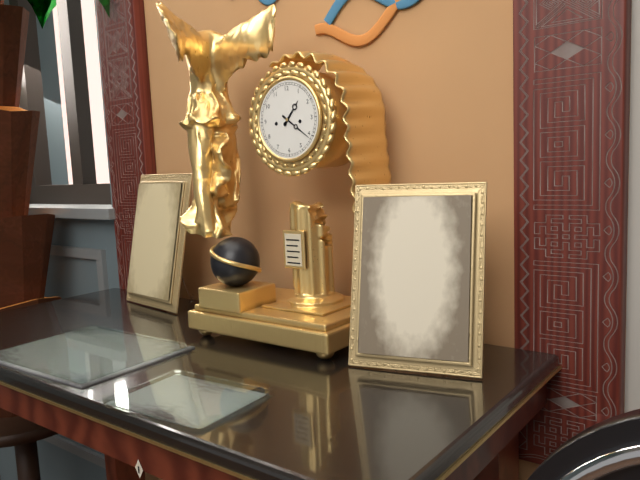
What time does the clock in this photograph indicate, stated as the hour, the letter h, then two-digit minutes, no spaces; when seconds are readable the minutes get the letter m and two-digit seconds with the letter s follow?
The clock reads 1h21
